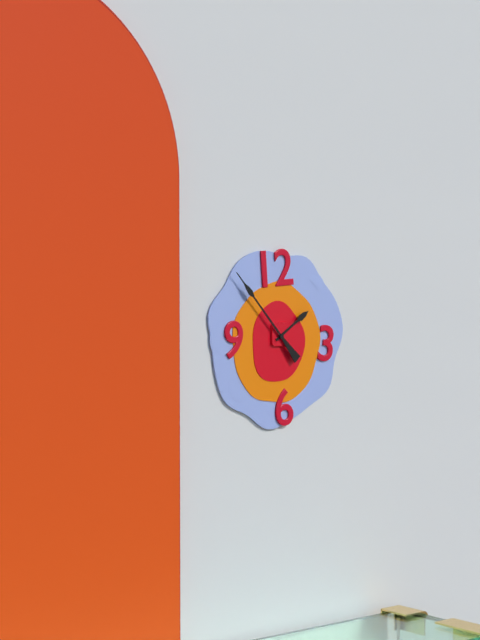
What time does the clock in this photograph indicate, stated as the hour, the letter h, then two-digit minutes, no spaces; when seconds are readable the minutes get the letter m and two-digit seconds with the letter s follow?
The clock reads 1h53
